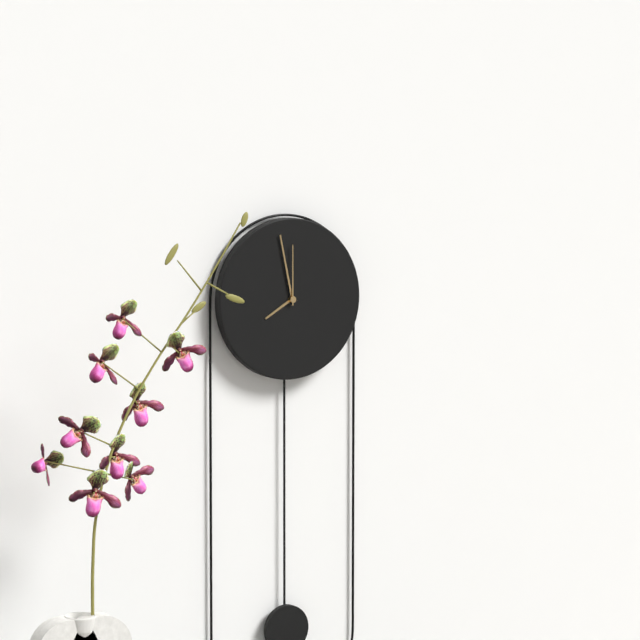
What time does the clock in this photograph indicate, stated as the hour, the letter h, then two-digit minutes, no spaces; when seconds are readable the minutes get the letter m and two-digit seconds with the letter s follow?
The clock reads 7h58m00s
